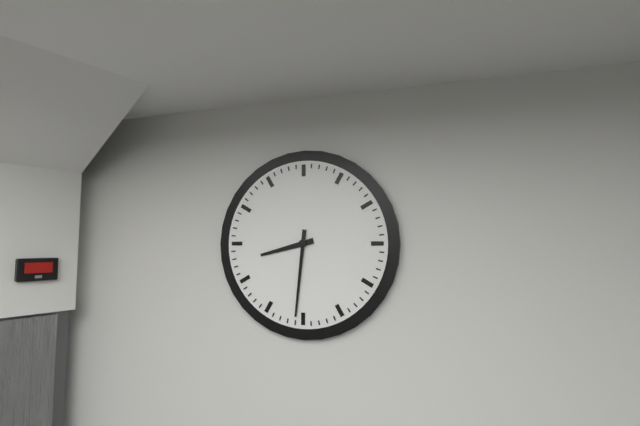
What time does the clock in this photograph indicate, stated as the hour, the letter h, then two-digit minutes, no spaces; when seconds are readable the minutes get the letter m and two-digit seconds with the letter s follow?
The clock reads 8h31
